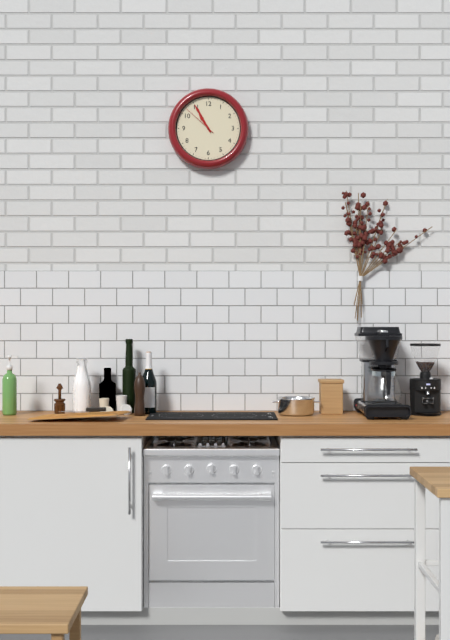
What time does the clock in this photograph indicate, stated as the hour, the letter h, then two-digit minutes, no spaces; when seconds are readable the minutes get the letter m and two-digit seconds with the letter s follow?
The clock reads 10h55
